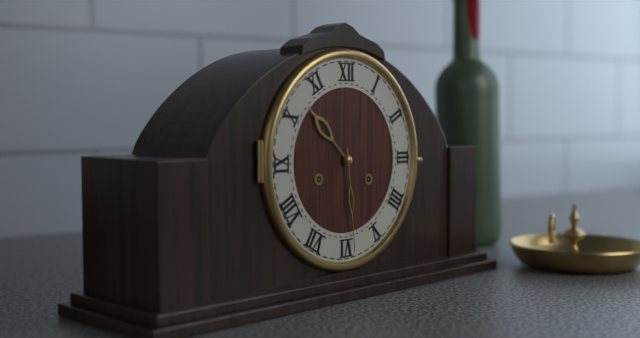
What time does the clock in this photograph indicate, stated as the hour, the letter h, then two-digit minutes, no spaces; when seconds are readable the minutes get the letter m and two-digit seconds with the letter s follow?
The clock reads 10h29
